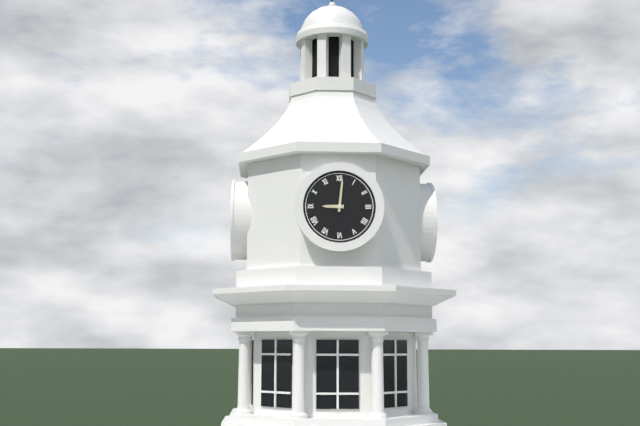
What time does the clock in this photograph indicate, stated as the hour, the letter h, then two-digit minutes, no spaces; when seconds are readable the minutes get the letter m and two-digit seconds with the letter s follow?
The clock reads 9h01
